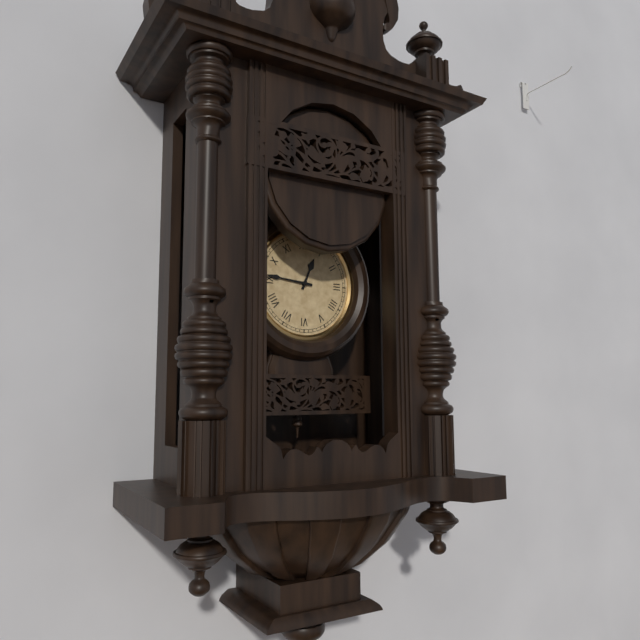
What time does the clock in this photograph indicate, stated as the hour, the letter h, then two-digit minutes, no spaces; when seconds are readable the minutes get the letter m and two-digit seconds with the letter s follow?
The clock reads 12h46
